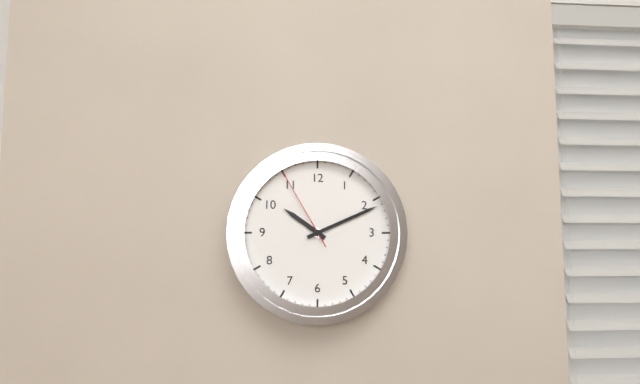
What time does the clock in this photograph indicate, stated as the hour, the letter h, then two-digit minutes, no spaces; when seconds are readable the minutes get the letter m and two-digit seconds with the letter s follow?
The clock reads 10h11m55s
